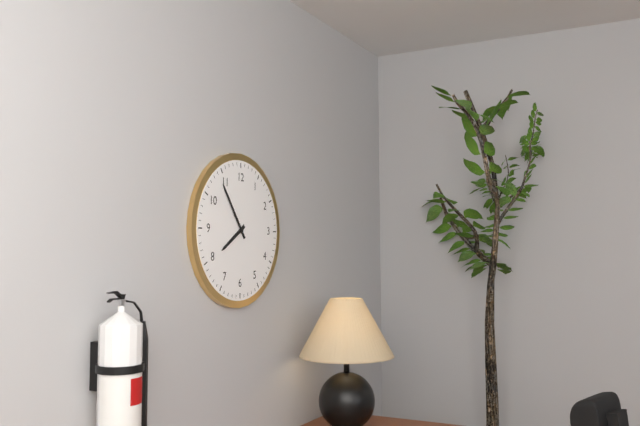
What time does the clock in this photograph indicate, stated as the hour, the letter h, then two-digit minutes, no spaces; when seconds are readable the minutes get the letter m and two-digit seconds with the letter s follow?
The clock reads 7h54
